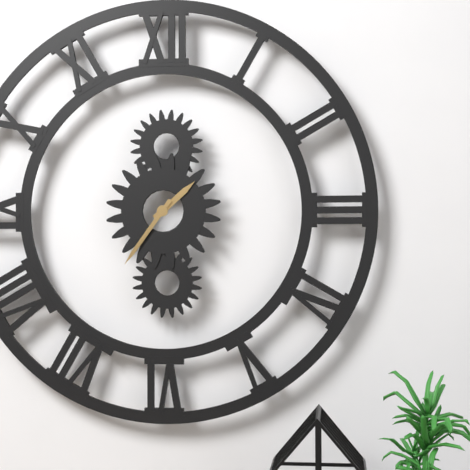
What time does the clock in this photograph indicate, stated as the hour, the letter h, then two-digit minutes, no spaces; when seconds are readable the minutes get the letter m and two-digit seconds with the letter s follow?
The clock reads 1h36
